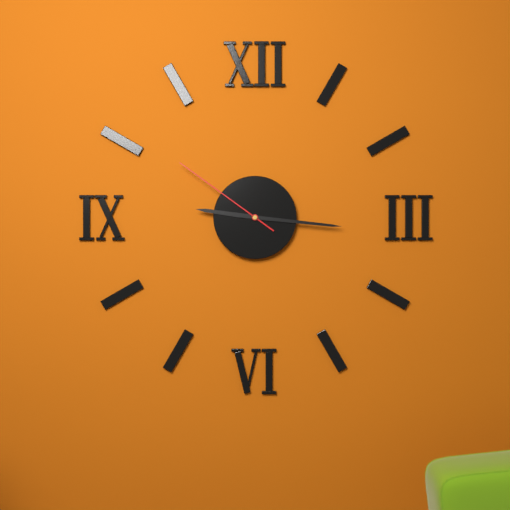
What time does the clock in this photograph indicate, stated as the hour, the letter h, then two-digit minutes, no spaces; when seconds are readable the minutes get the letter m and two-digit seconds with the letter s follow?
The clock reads 9h16m51s
